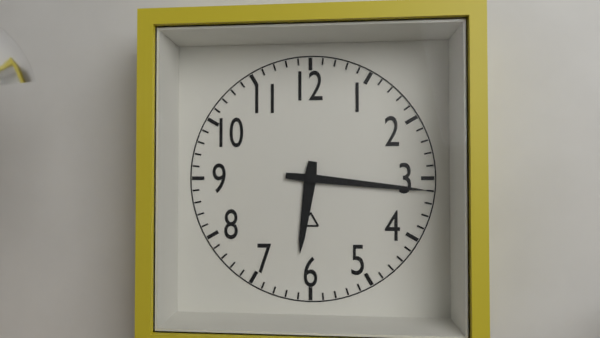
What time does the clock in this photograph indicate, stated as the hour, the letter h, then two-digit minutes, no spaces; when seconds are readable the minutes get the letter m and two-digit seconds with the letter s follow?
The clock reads 6h16
